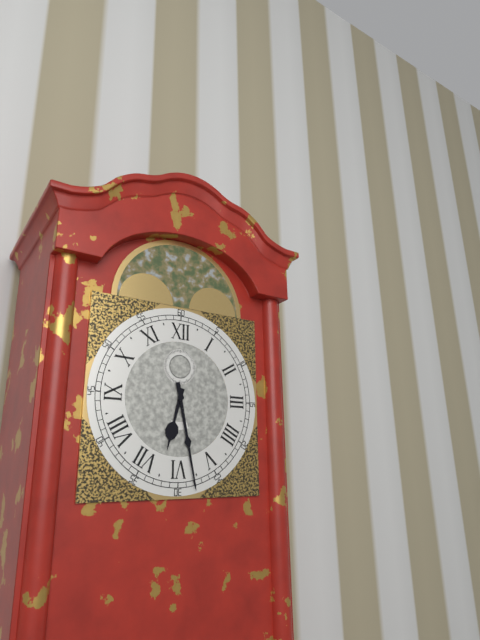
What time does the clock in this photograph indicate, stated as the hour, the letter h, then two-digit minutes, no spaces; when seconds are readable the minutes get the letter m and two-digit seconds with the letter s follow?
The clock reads 6h28
